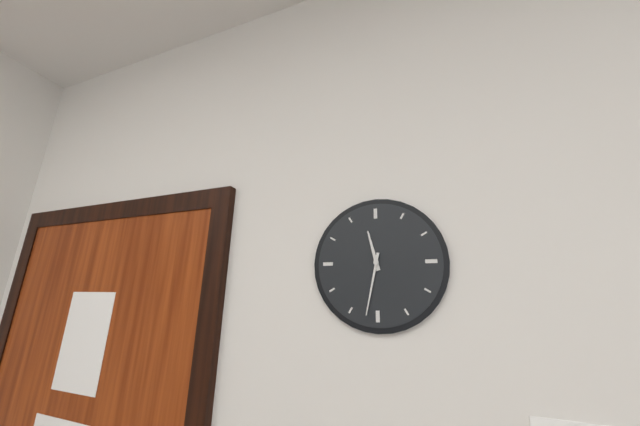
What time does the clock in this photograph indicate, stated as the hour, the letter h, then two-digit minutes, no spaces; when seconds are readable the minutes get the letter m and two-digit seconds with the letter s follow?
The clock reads 11h32
